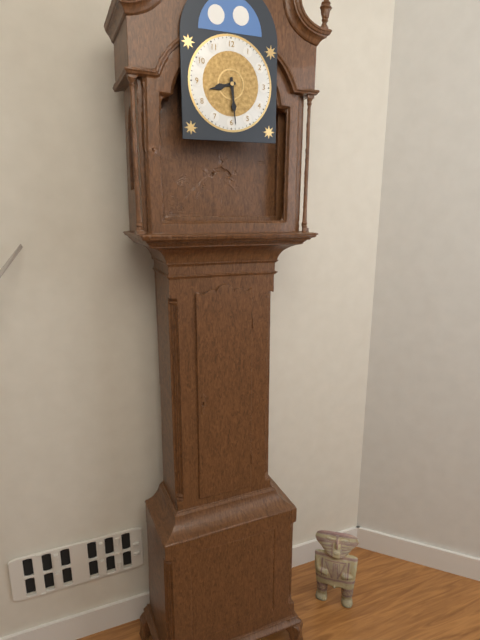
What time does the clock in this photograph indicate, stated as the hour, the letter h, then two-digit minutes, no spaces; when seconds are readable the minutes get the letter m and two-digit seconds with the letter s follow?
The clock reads 8h29
